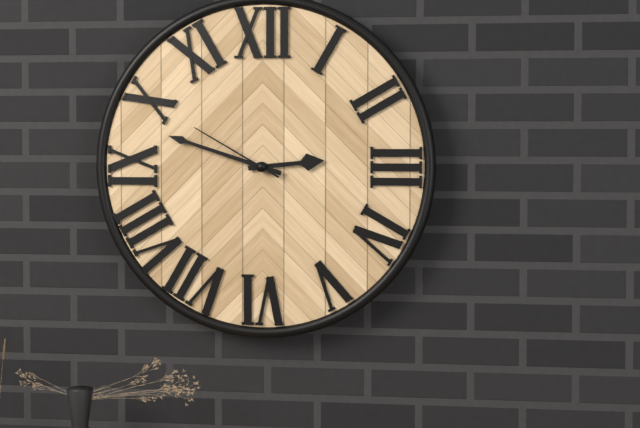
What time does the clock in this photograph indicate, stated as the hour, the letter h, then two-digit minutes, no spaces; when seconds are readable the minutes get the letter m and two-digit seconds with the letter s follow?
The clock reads 2h48m50s
